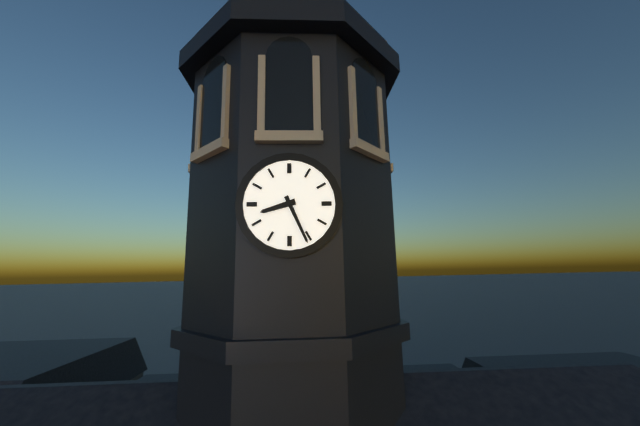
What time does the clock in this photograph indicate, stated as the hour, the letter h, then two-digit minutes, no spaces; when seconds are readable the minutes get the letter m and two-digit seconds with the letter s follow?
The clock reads 8h26
